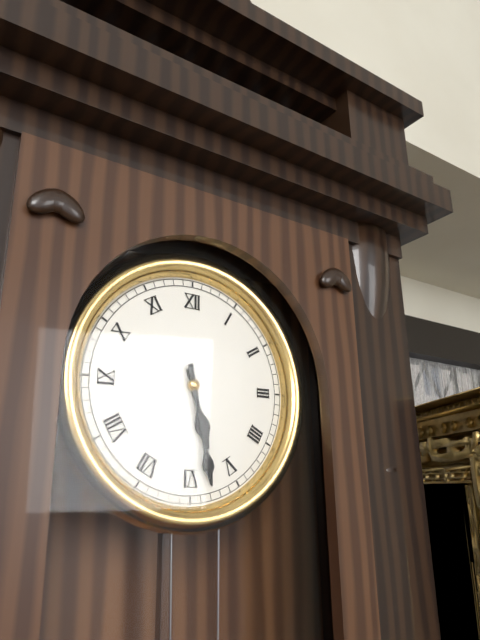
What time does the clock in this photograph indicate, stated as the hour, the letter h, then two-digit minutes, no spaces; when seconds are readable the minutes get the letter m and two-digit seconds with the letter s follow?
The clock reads 5h28
